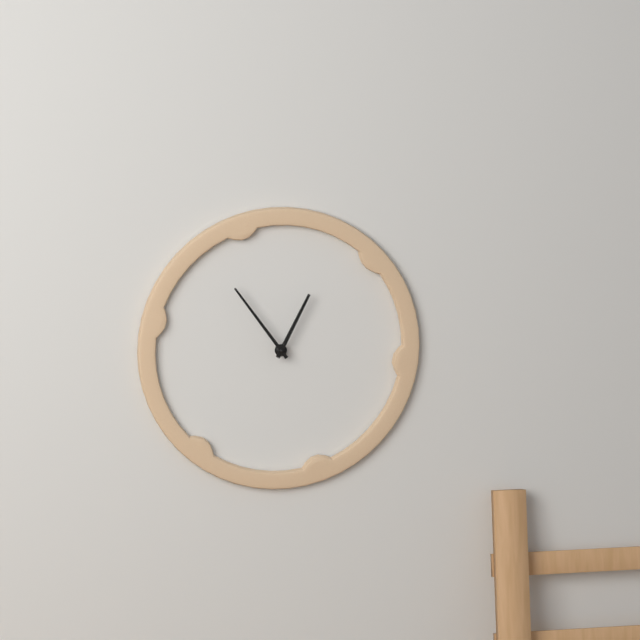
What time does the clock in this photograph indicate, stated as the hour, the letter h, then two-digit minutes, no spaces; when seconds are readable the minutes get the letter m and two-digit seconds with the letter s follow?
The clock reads 12h54
